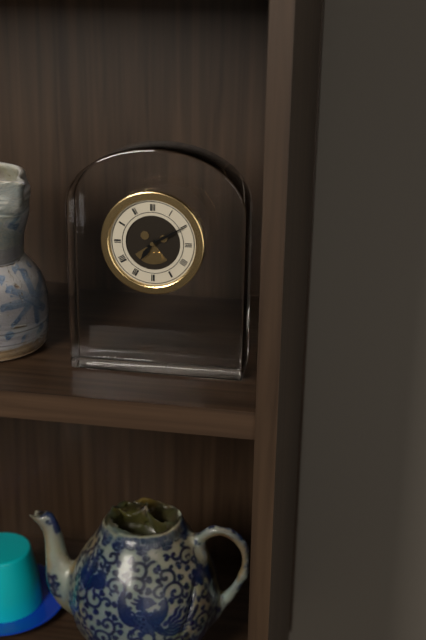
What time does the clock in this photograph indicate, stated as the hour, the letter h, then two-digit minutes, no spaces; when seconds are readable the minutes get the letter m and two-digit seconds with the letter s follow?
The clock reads 7h10
